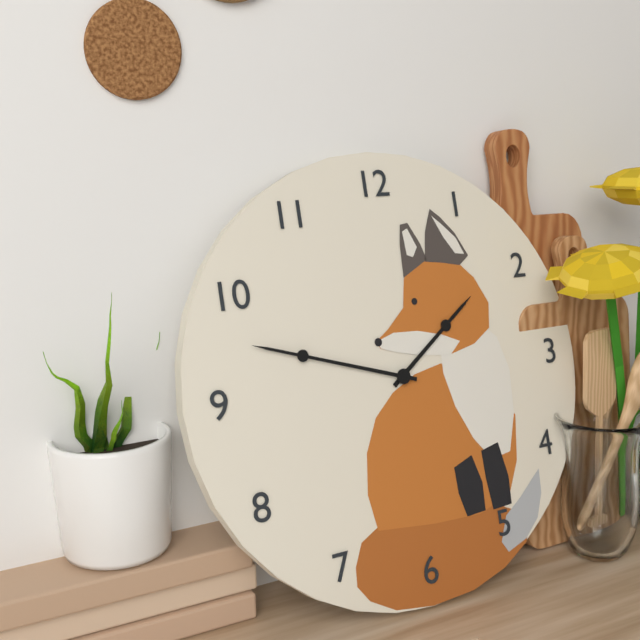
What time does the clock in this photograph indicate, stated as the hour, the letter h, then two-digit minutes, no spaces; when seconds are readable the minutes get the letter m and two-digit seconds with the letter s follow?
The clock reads 1h48
